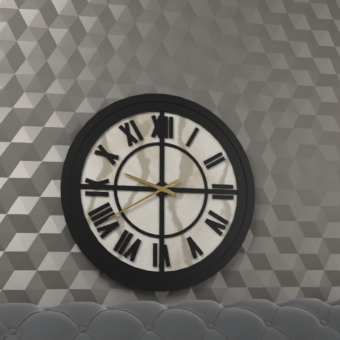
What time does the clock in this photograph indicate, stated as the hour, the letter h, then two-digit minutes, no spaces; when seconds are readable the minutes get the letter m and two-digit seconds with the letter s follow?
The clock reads 9h40
